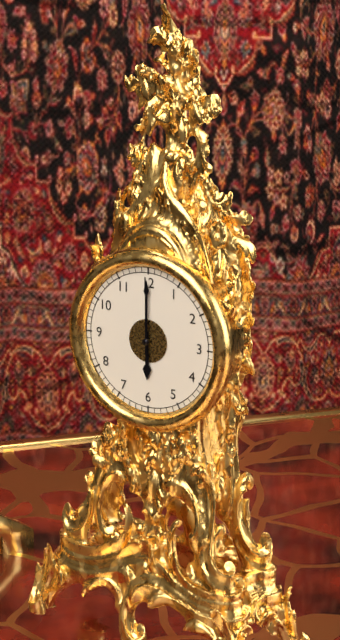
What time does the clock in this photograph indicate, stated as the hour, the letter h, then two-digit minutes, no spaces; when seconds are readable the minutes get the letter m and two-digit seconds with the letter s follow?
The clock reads 6h00
